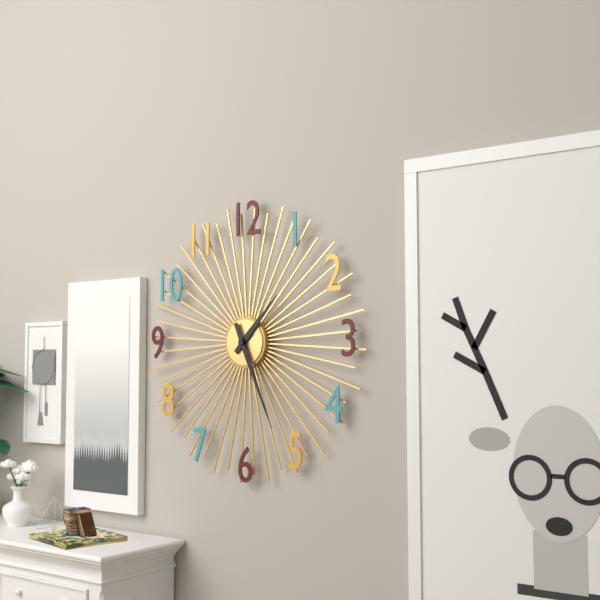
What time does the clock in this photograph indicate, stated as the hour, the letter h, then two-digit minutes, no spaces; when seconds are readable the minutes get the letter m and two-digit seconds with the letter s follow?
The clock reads 1h26
